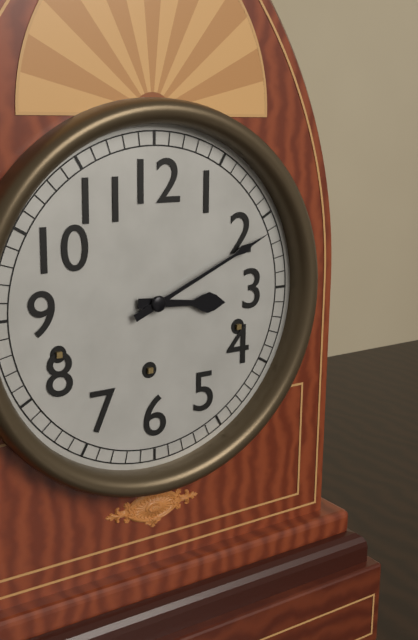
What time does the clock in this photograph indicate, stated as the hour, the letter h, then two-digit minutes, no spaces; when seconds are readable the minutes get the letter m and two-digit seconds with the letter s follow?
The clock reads 3h11
